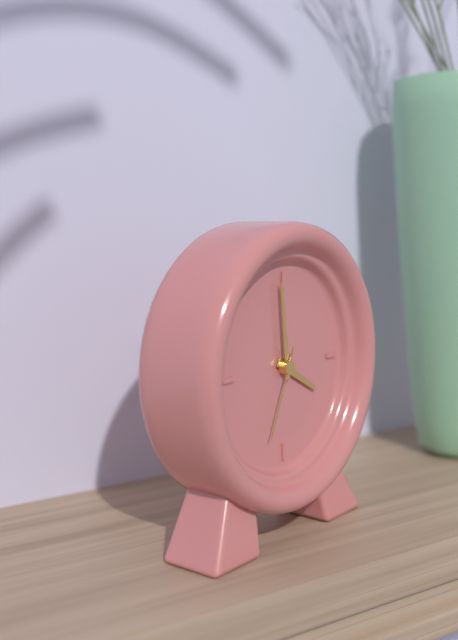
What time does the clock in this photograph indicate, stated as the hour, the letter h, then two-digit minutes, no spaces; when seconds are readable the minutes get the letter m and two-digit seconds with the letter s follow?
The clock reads 3h59m34s
